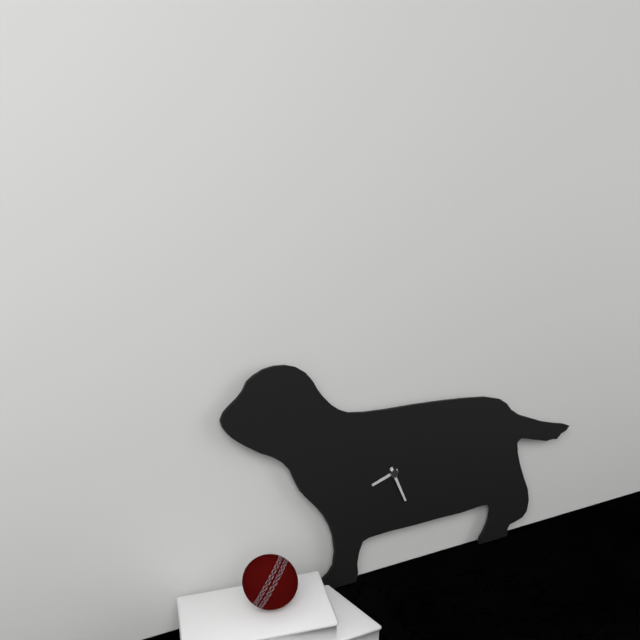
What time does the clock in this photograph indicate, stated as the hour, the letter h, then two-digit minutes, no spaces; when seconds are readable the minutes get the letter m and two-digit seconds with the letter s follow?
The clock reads 8h26
